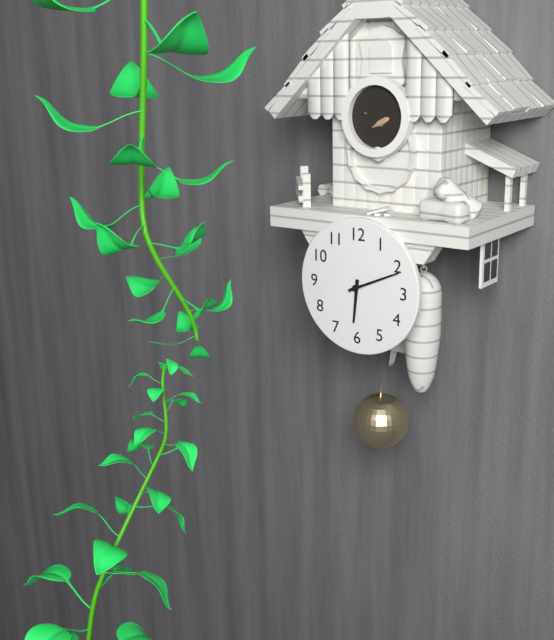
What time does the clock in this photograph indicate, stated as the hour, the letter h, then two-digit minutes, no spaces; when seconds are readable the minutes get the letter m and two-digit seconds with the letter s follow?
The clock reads 6h11
